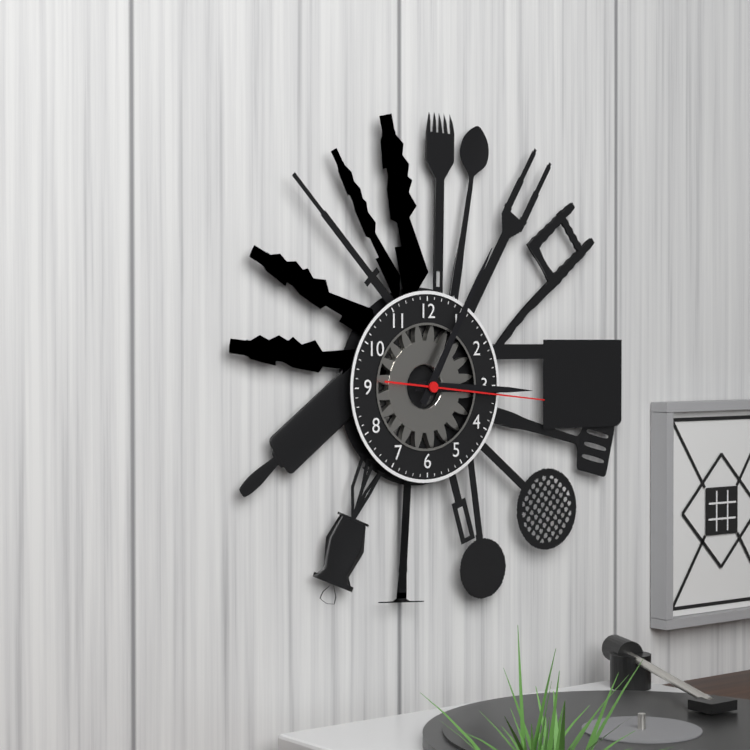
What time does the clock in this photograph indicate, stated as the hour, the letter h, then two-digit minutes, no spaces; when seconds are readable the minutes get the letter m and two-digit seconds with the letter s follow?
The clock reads 3h05m16s
